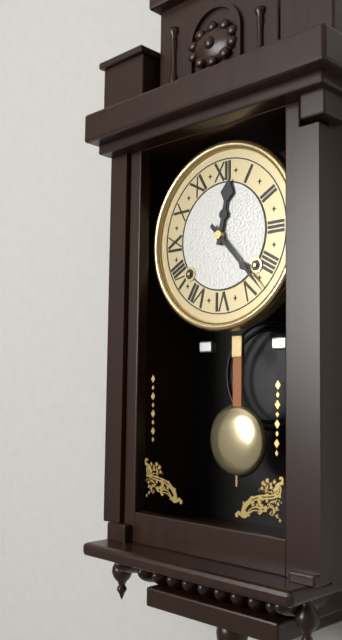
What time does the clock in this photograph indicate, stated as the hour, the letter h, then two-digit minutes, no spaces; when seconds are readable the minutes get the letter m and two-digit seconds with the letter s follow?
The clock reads 12h23
